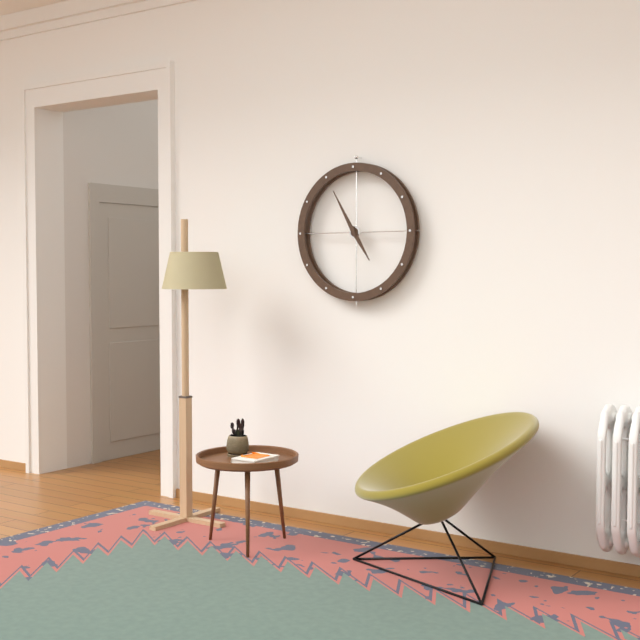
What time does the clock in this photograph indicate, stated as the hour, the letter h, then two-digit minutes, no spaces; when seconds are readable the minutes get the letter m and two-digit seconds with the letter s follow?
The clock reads 4h55
